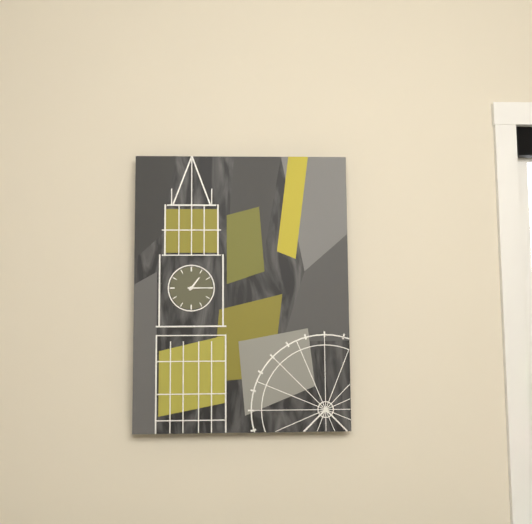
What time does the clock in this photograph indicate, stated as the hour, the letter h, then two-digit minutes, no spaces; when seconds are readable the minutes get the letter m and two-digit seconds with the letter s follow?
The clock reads 1h15
